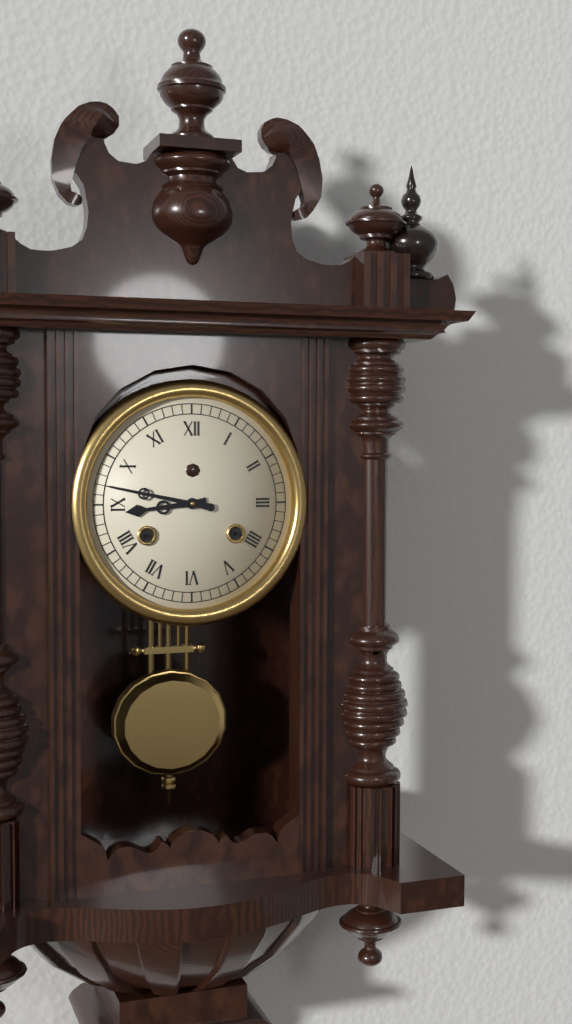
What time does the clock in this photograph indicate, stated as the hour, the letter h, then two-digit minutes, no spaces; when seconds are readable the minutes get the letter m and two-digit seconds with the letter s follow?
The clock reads 8h47
